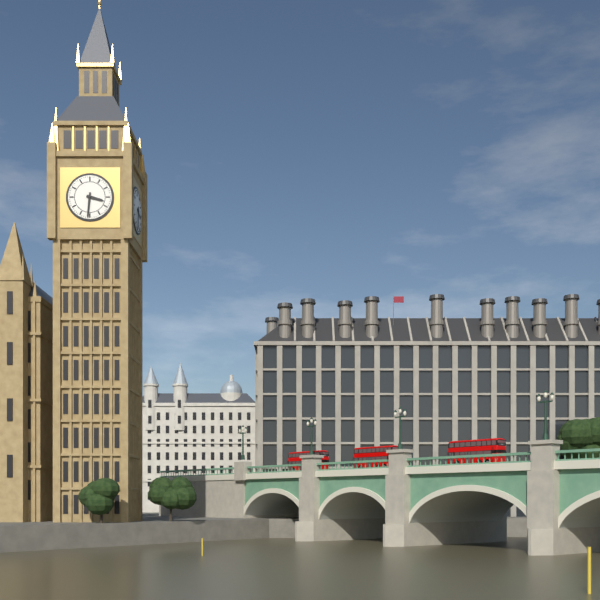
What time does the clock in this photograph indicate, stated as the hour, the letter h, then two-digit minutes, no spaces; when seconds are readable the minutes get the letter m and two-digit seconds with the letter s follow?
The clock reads 3h31
